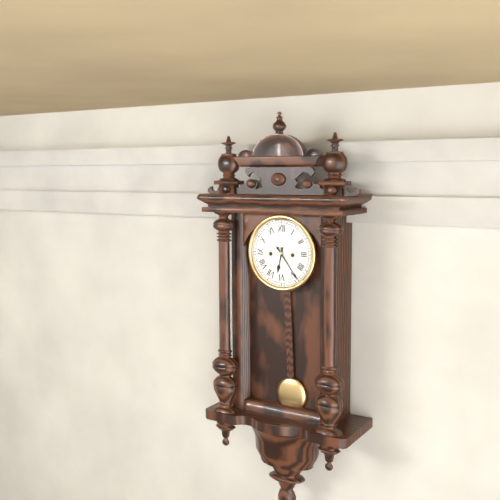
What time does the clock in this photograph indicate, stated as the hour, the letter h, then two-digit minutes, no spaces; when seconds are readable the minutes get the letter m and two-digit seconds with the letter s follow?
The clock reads 6h24
